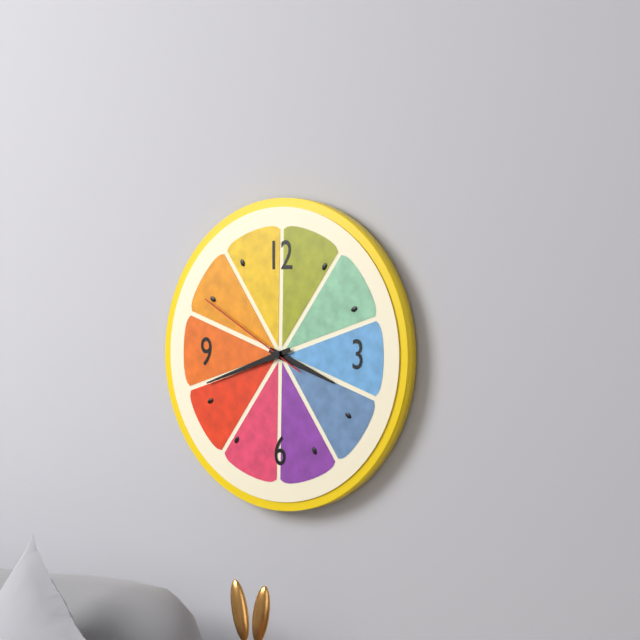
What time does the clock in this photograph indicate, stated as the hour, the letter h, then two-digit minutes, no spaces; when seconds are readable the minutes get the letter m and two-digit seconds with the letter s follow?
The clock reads 3h42m50s
